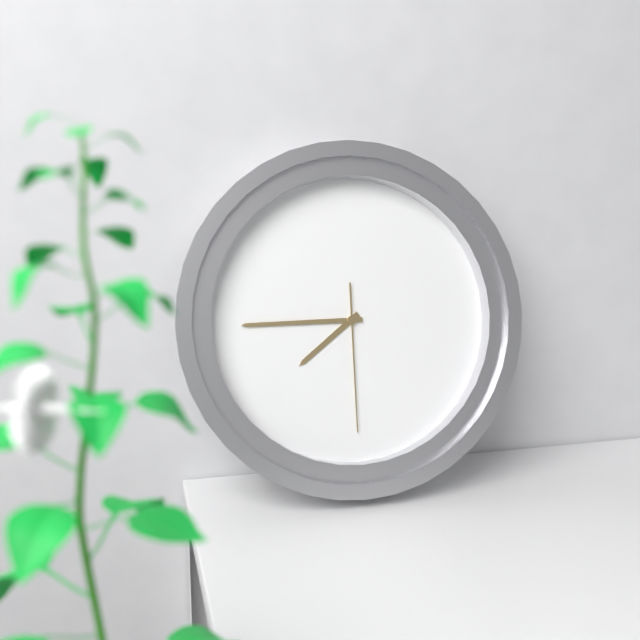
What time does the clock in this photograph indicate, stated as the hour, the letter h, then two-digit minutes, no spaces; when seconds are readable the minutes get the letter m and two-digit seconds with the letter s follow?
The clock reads 7h45m30s
